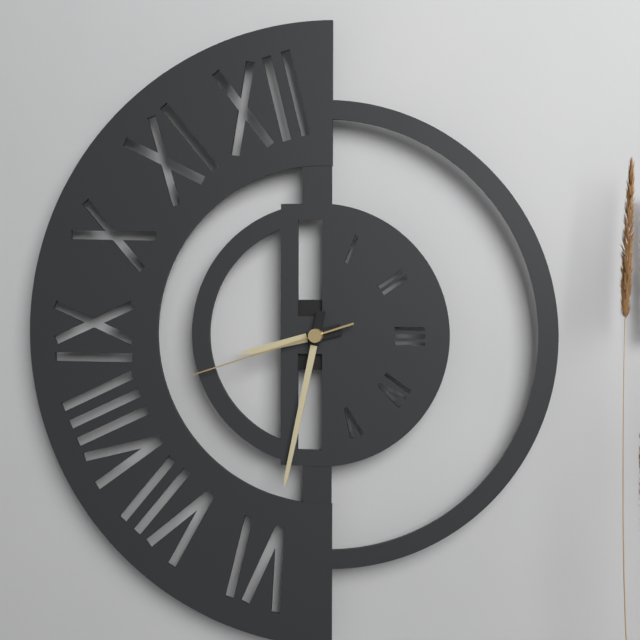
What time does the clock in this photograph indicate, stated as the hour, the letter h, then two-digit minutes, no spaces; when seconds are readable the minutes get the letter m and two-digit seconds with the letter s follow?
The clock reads 8h32m42s
